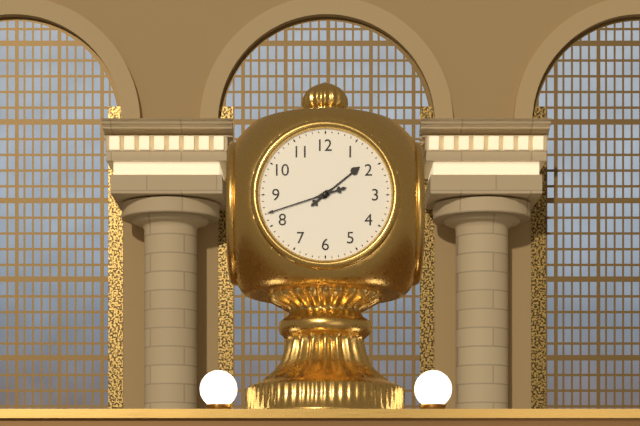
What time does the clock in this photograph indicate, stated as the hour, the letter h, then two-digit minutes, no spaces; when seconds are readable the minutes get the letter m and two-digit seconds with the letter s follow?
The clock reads 1h42
